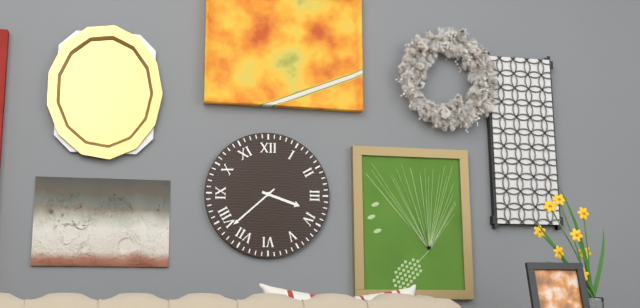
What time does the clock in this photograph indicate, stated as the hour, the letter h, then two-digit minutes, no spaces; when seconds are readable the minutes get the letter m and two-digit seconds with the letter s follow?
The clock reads 3h38
